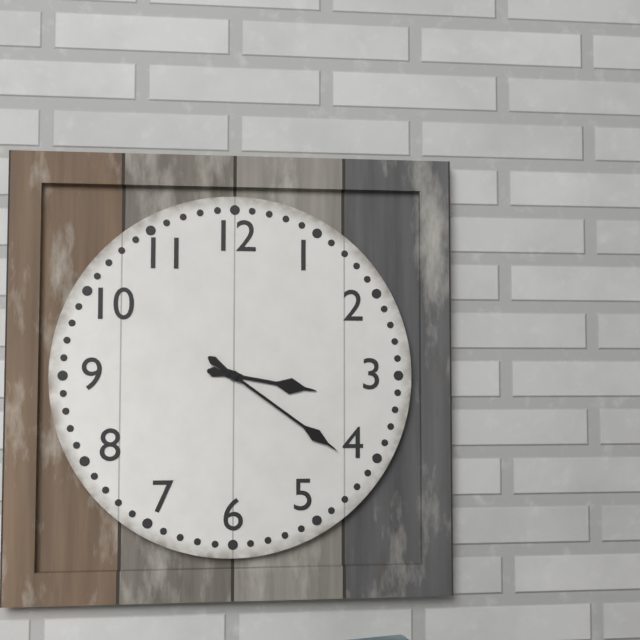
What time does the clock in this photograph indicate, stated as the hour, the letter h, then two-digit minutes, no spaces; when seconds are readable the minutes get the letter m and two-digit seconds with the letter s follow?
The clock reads 3h21
